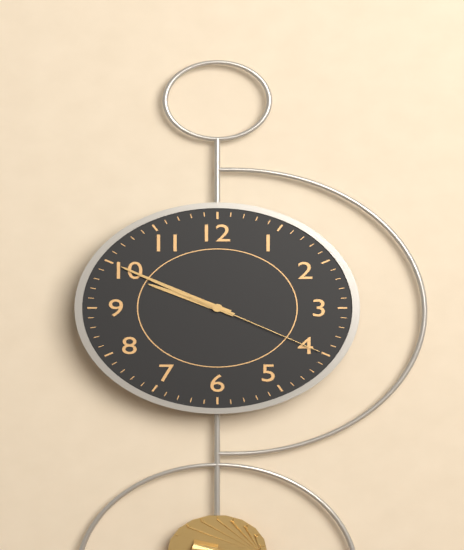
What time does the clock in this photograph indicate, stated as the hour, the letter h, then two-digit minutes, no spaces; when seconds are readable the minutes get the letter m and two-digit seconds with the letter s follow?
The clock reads 9h50m20s
